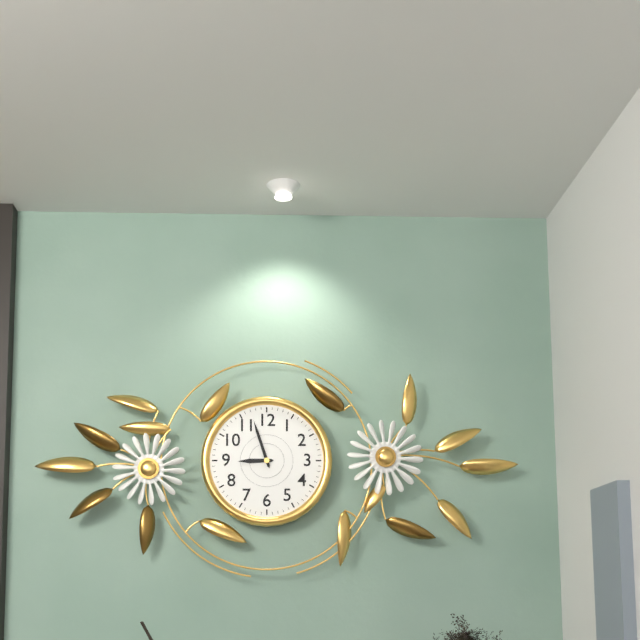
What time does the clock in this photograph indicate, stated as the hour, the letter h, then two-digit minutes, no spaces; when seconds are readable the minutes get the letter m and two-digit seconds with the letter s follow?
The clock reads 8h57
